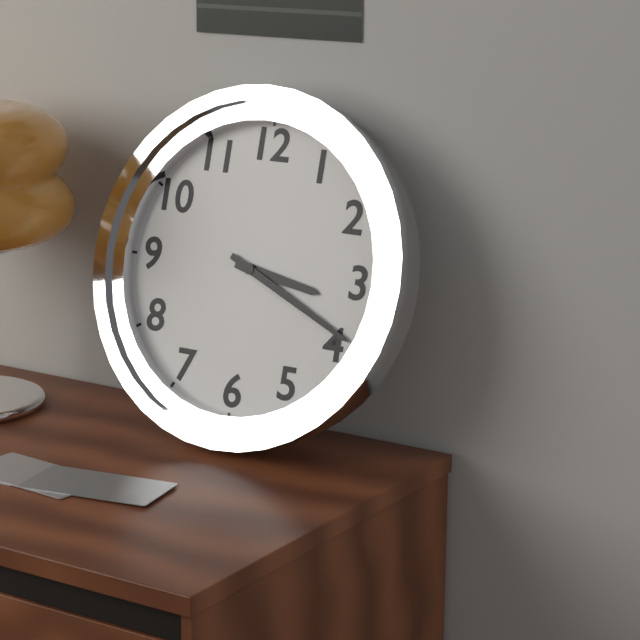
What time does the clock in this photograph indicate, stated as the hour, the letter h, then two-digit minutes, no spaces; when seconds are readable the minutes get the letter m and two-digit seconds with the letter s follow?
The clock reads 3h19
